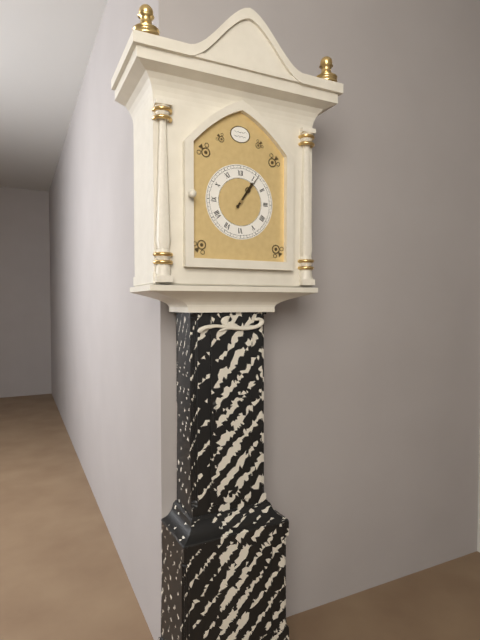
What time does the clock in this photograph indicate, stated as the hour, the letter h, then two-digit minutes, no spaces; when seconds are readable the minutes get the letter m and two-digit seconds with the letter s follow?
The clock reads 1h06
